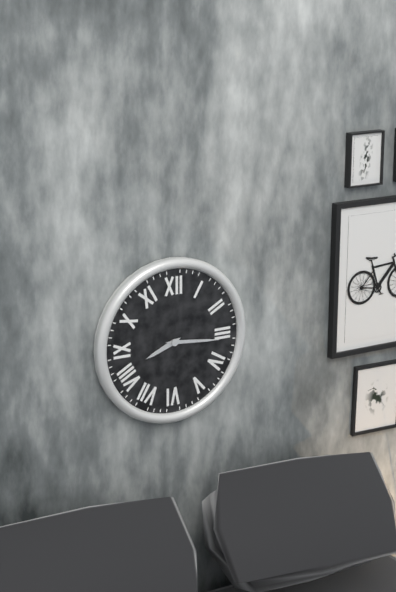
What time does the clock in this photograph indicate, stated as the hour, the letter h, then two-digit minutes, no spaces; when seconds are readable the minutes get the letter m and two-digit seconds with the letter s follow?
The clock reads 8h16
